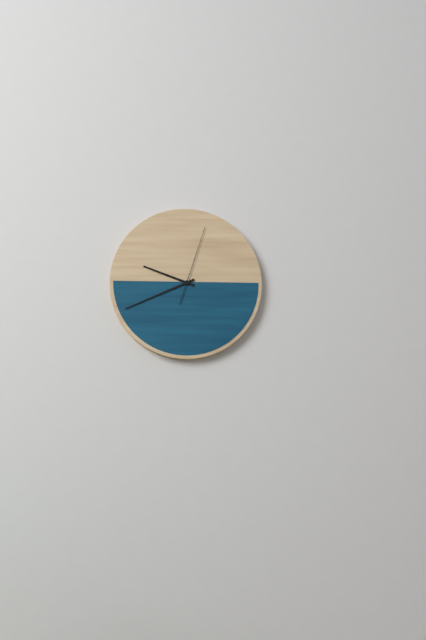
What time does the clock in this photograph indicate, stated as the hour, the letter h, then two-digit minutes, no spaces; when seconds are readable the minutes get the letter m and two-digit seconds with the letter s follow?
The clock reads 9h41m03s
